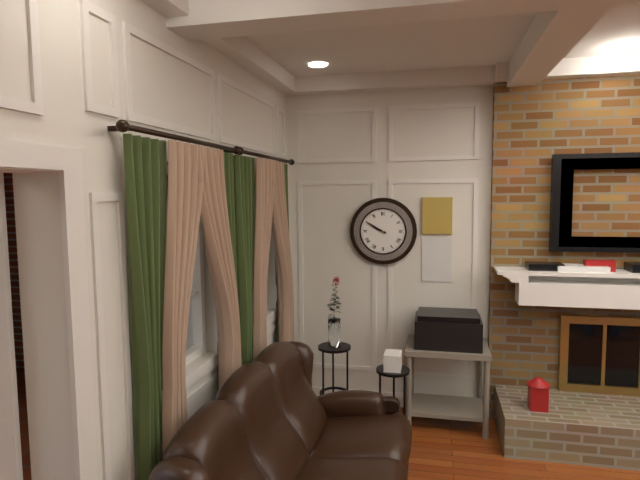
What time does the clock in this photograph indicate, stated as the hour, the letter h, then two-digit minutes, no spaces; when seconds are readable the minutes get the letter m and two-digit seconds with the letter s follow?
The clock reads 9h50
